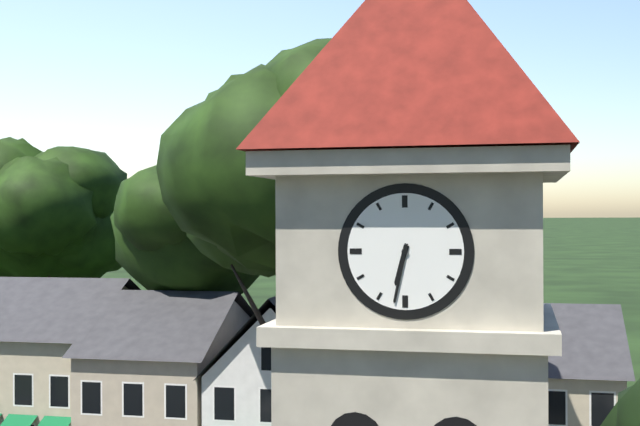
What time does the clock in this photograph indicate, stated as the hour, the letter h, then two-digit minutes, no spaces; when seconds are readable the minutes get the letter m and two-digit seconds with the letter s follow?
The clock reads 6h32
